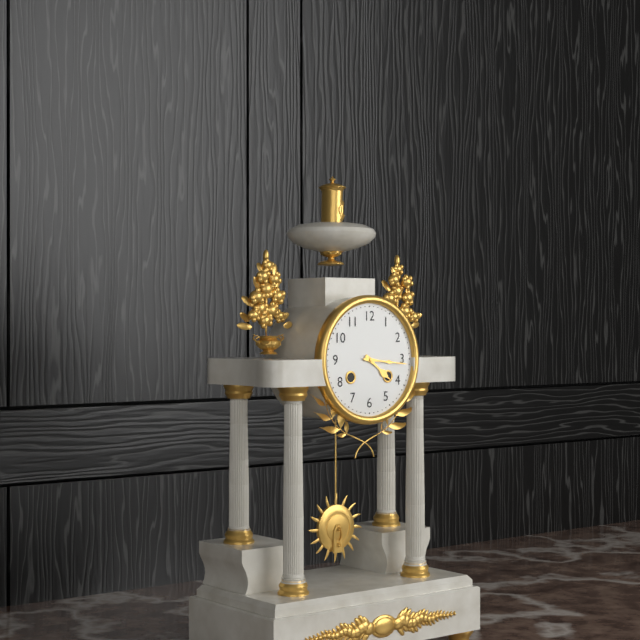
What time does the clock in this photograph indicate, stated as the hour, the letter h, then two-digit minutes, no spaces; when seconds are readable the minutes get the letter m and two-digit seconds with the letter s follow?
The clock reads 4h16
